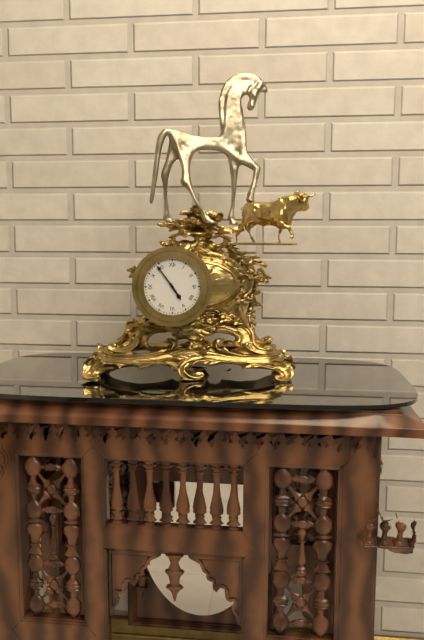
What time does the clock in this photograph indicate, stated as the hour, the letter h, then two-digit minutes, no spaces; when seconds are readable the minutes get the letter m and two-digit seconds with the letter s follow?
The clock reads 4h54
